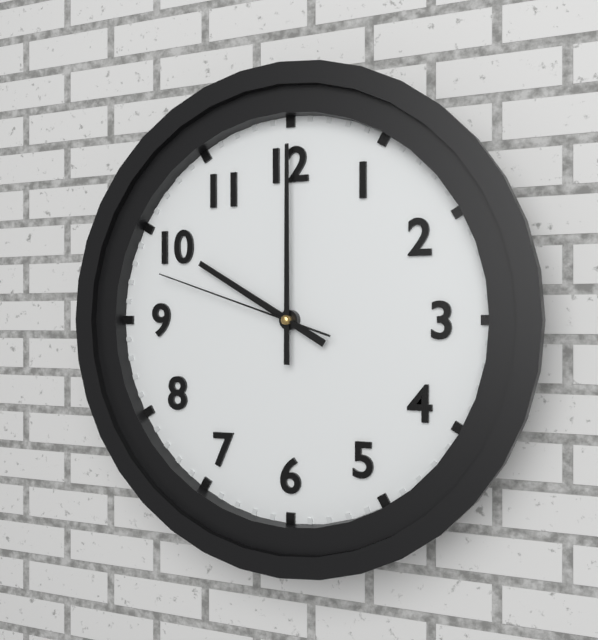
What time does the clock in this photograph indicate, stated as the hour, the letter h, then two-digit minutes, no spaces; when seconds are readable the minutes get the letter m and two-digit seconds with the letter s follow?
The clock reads 10h00m48s
